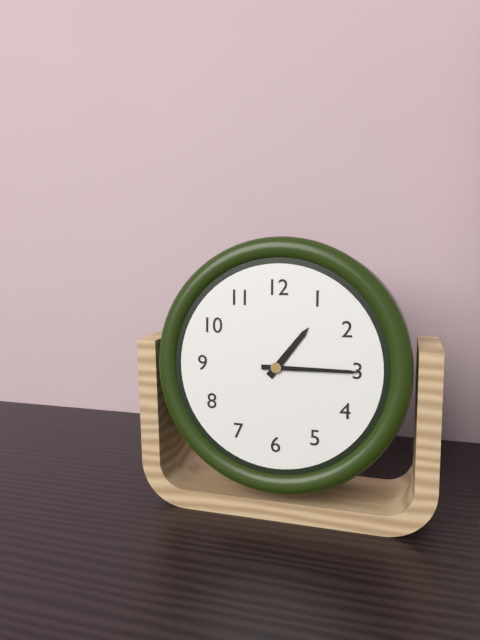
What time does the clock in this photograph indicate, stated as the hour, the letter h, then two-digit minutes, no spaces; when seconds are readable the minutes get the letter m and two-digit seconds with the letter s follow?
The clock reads 1h15
